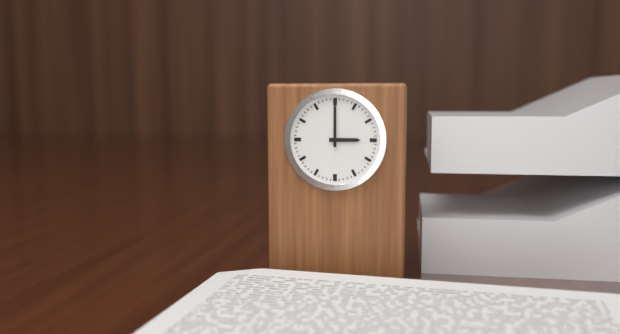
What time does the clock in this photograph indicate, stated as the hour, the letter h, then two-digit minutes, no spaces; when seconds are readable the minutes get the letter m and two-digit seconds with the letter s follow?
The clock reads 3h00
